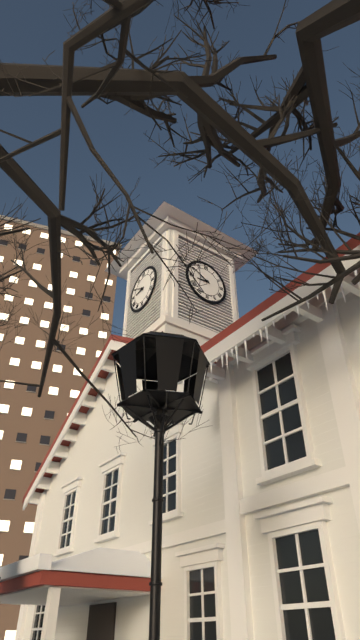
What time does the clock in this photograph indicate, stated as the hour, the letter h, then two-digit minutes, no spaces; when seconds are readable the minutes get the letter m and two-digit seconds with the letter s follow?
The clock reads 8h50
